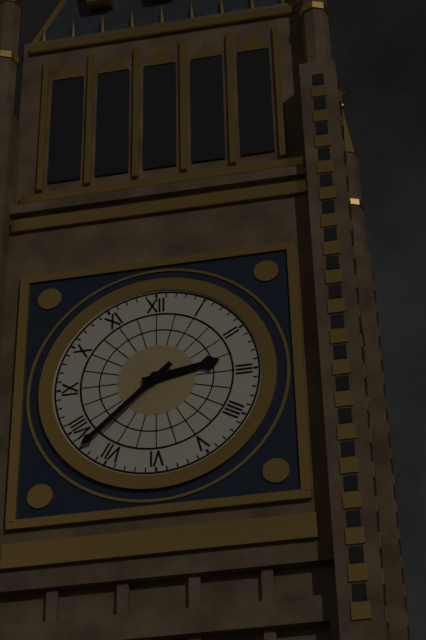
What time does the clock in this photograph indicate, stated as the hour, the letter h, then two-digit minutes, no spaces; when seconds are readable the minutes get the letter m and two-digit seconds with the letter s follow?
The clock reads 2h38
